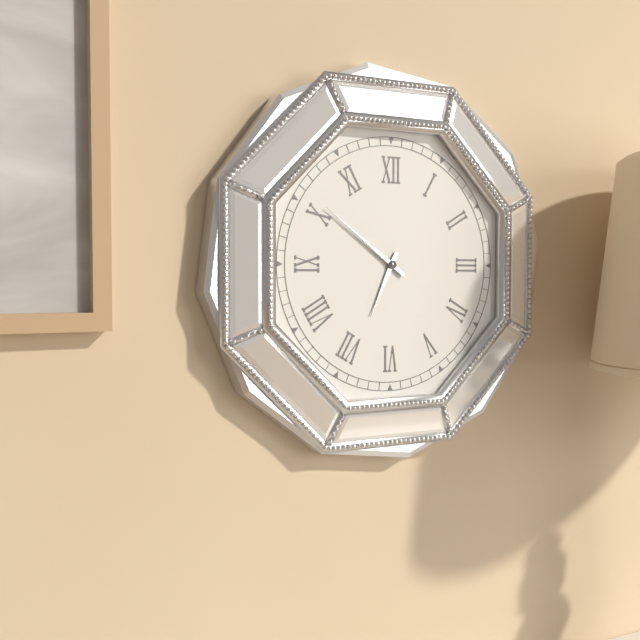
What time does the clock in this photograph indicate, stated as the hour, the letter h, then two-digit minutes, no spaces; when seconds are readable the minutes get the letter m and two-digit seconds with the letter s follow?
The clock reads 6h51
